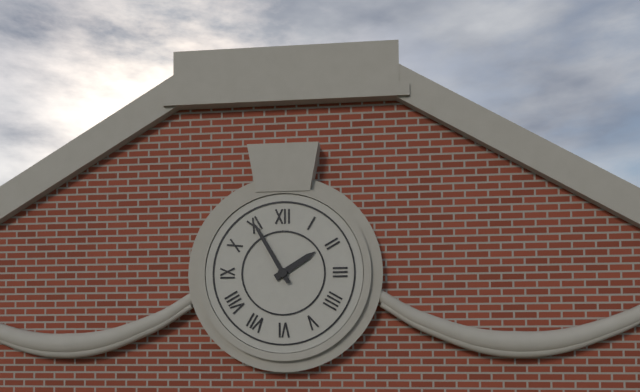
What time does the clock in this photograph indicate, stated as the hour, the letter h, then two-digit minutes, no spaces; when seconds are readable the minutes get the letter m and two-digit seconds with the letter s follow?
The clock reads 1h55
